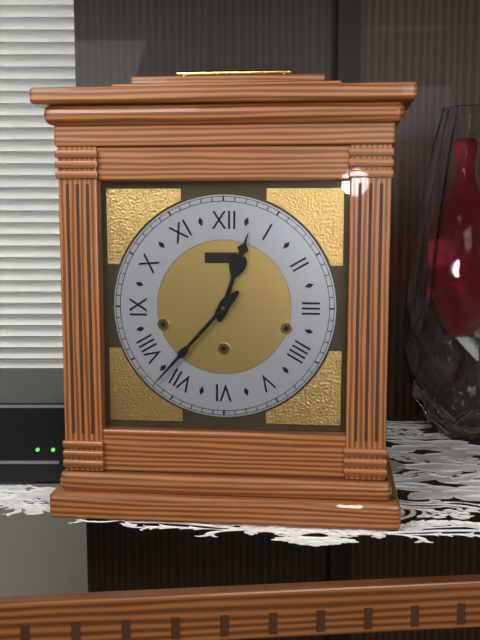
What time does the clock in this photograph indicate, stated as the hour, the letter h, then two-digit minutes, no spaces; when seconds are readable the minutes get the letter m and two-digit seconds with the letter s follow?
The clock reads 12h37
